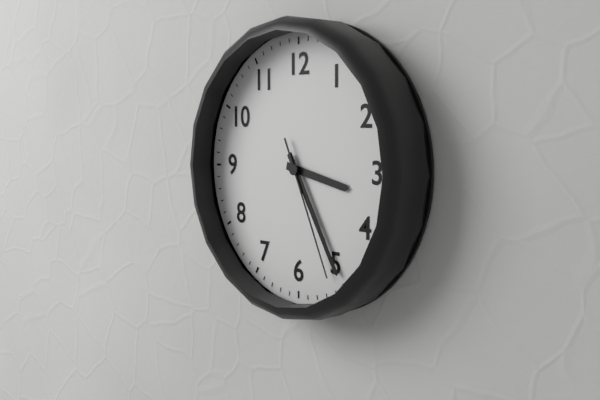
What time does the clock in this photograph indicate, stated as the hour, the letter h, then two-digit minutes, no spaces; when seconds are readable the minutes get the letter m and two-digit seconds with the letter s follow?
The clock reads 3h25m26s
